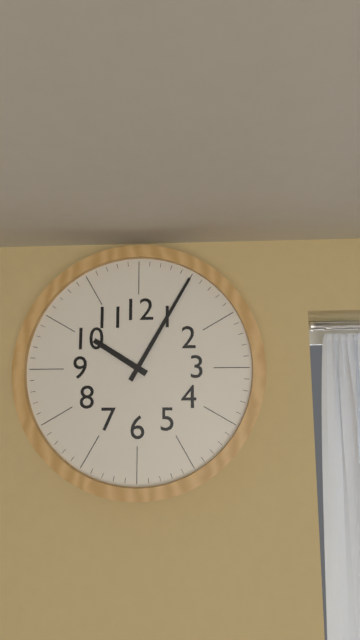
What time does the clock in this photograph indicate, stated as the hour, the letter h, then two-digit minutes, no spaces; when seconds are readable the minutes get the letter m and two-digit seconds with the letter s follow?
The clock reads 10h05
